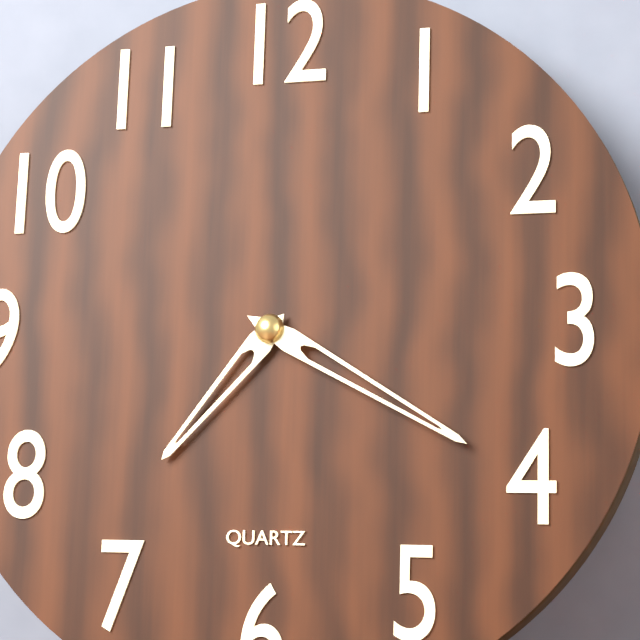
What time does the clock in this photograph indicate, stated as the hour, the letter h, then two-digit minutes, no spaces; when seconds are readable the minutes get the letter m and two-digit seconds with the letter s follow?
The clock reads 7h20
